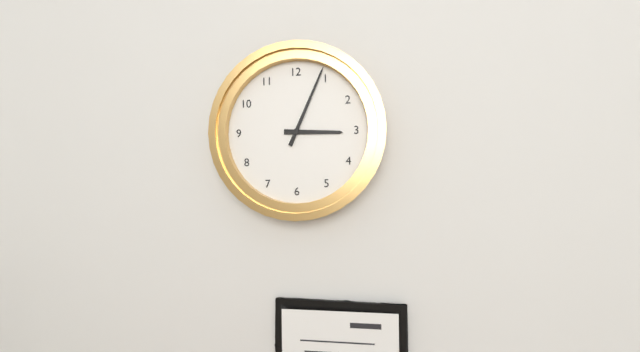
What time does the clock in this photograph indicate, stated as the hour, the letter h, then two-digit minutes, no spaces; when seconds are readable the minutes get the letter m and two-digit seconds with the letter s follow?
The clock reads 3h04
